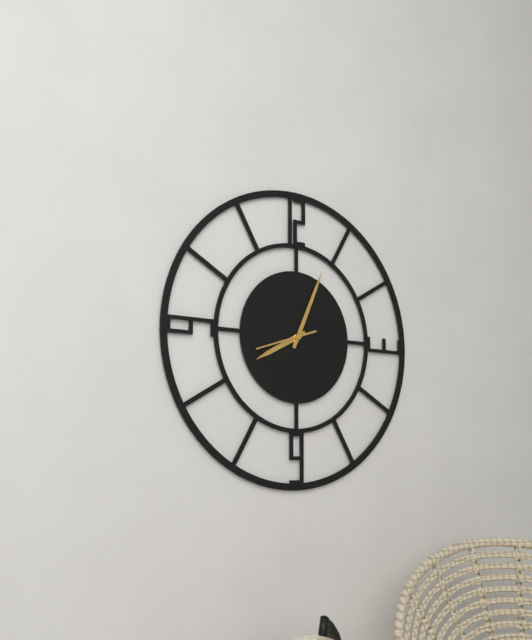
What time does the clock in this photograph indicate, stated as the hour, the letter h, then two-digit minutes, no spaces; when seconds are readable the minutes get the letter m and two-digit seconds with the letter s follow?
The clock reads 8h04m42s
